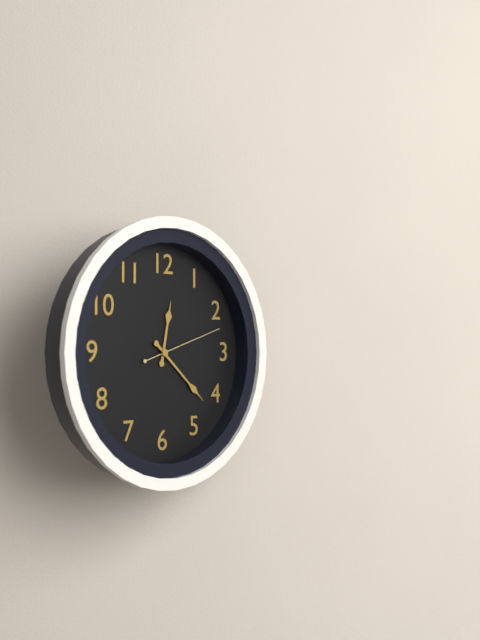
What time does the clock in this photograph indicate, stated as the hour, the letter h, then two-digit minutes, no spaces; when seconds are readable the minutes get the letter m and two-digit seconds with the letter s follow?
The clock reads 12h22m12s
